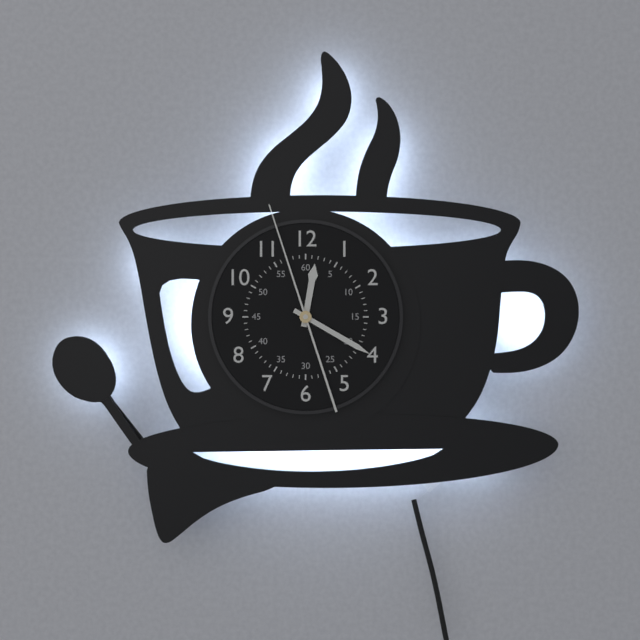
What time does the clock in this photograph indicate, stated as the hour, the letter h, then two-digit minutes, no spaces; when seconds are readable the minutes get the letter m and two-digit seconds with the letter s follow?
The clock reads 12h20m57s
